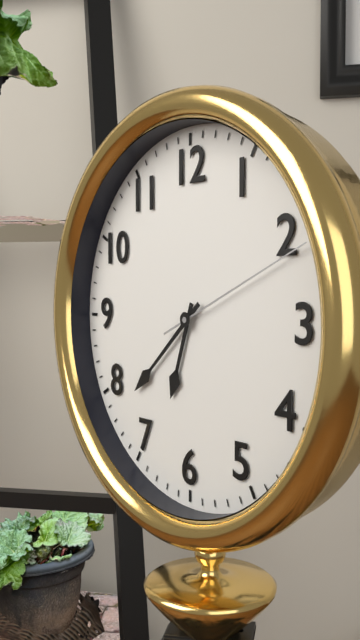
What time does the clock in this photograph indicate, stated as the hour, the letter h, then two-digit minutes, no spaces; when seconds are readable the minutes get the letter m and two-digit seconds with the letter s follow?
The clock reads 6h38m11s
